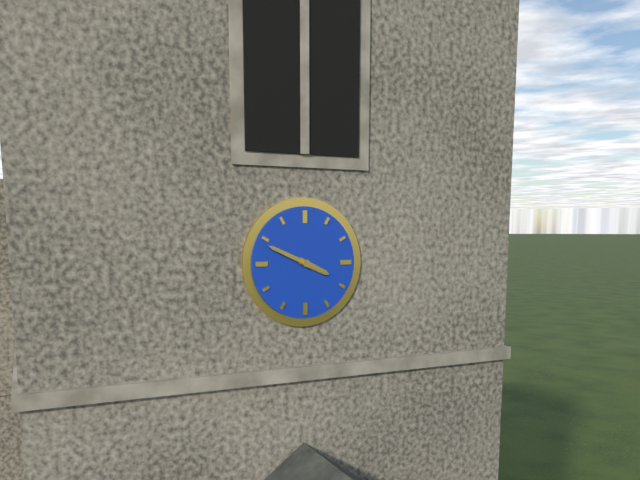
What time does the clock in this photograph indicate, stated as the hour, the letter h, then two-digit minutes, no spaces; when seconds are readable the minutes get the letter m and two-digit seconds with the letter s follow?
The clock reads 3h49
